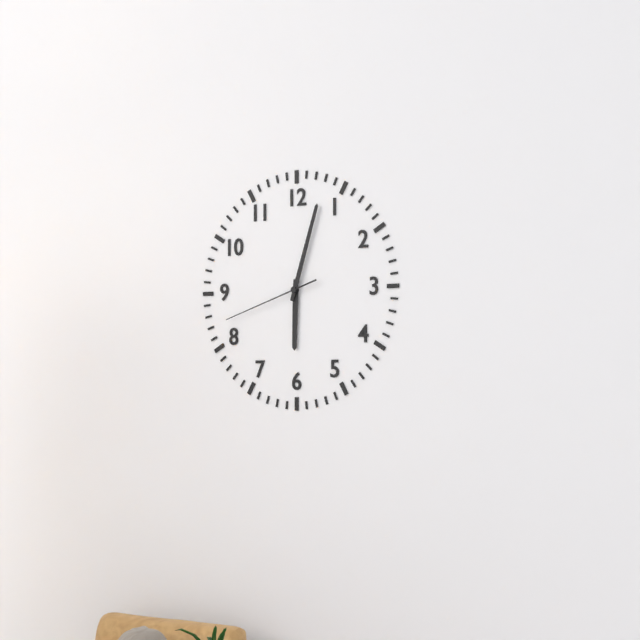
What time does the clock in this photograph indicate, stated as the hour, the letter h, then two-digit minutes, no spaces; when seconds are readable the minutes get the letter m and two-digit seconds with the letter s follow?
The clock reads 6h03m42s
